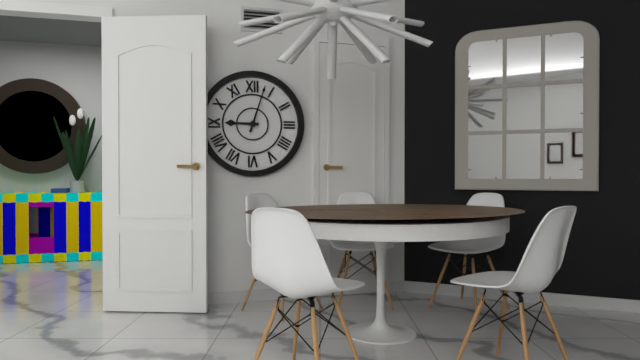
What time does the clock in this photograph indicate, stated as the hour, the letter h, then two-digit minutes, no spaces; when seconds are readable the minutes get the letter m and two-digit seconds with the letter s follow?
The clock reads 9h03
